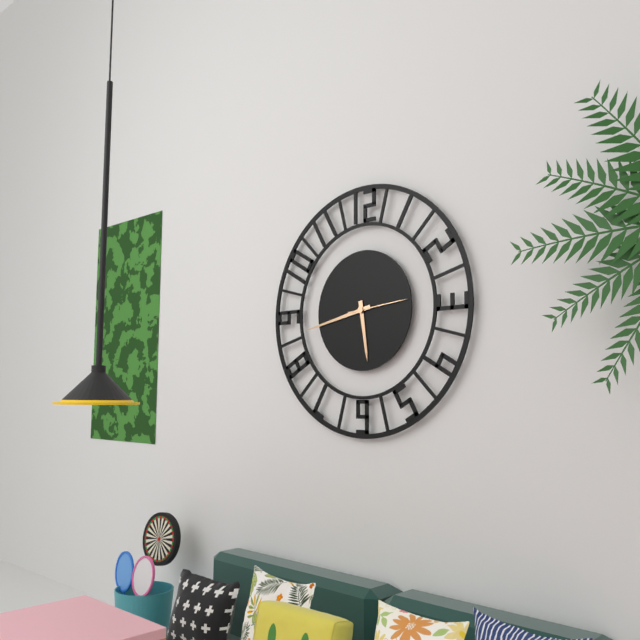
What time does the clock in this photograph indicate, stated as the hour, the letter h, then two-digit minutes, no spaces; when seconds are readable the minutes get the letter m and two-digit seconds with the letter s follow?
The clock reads 5h43m14s
